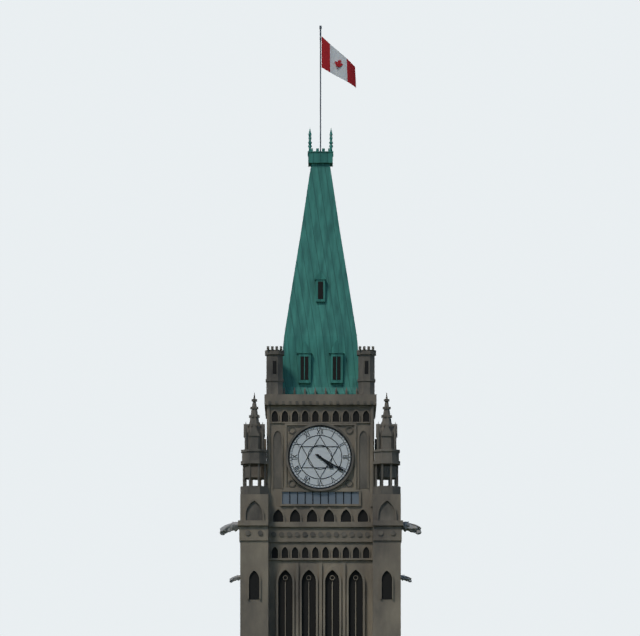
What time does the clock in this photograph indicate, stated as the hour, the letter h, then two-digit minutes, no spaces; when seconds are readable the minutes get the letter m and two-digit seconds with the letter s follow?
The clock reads 4h20
